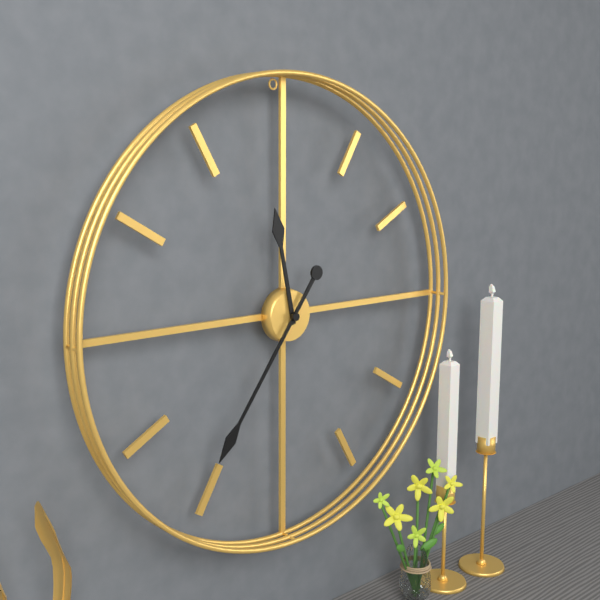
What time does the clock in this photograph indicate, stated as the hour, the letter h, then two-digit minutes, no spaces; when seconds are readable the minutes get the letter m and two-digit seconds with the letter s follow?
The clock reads 11h36
